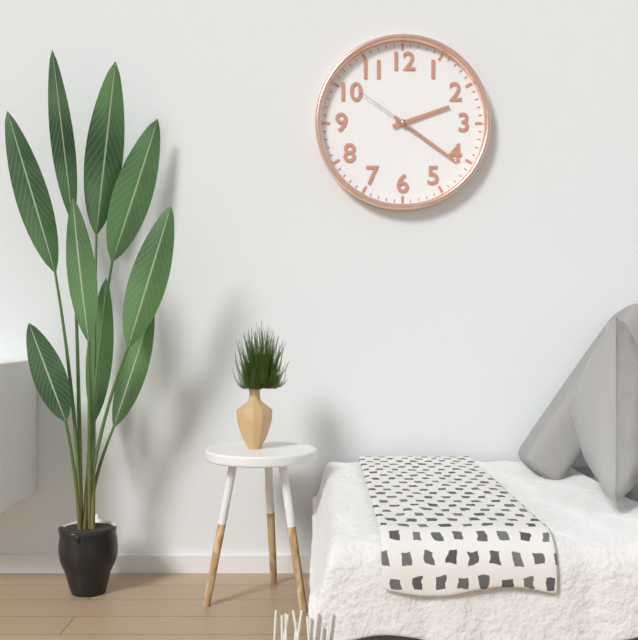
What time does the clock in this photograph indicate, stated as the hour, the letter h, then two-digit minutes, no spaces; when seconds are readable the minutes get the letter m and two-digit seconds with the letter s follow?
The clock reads 2h21m51s
